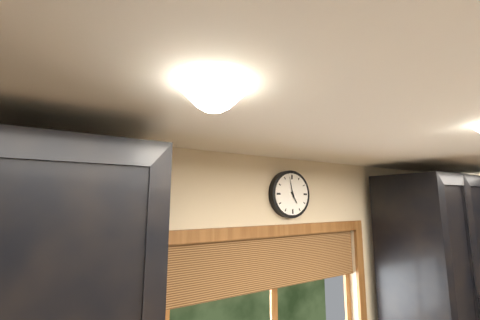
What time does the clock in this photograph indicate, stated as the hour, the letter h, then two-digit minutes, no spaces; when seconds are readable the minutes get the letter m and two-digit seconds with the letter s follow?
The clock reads 4h58
